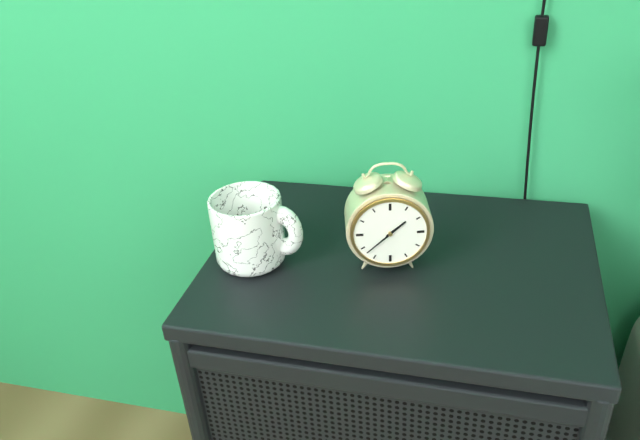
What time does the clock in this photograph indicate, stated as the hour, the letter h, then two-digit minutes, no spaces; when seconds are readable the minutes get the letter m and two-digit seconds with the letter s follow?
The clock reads 1h38
